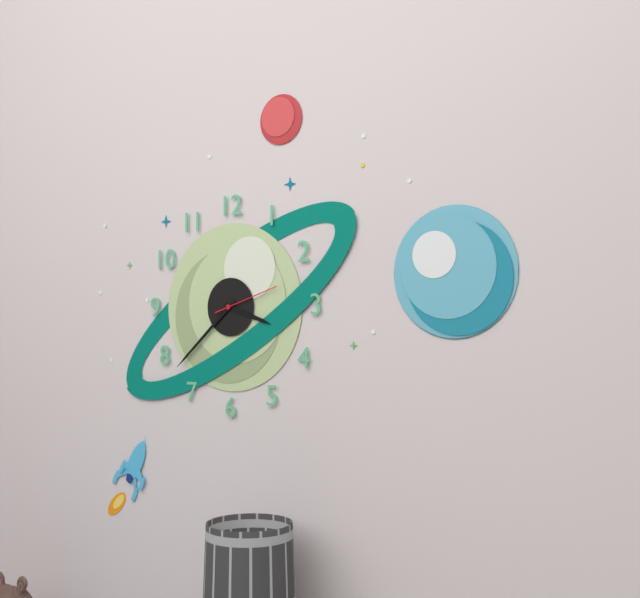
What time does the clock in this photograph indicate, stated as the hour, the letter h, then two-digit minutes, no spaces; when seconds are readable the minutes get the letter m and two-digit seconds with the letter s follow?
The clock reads 3h38m12s
